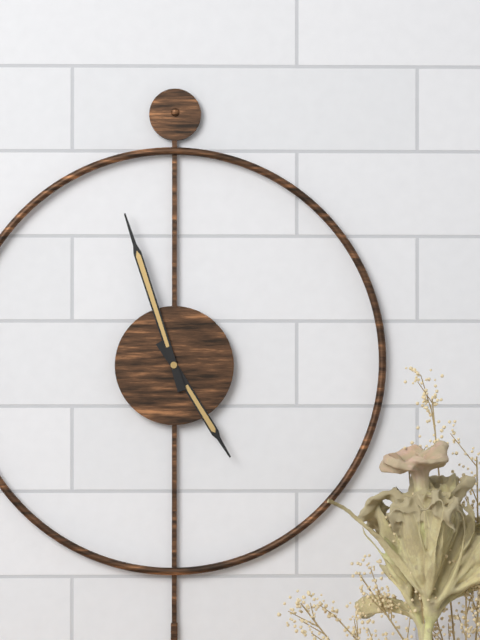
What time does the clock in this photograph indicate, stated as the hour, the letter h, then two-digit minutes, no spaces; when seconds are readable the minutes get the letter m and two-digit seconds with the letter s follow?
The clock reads 4h57
